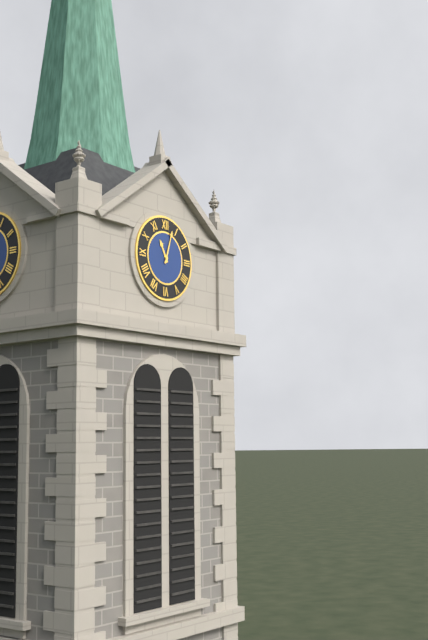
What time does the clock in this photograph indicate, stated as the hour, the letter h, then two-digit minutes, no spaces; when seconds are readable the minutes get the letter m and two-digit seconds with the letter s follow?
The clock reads 11h03
